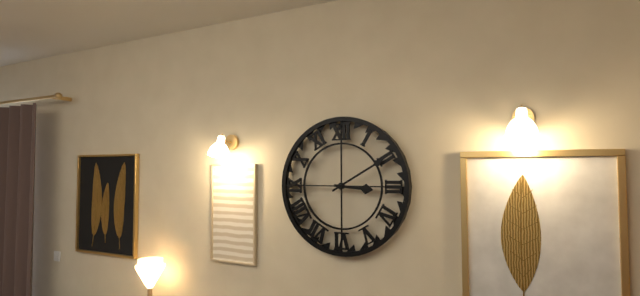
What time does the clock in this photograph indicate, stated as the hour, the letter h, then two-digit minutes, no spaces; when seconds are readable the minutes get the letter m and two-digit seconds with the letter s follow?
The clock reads 3h10
